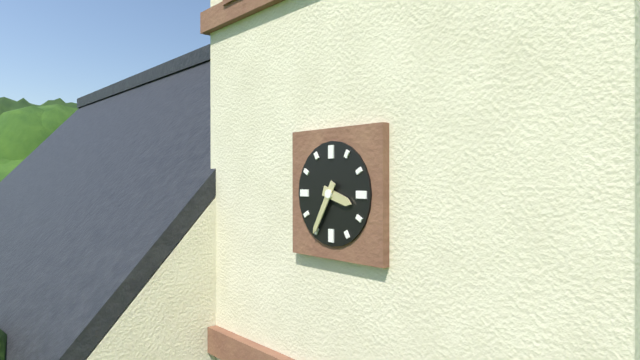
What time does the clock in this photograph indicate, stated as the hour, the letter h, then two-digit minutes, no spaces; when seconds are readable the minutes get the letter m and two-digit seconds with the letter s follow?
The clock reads 3h35
